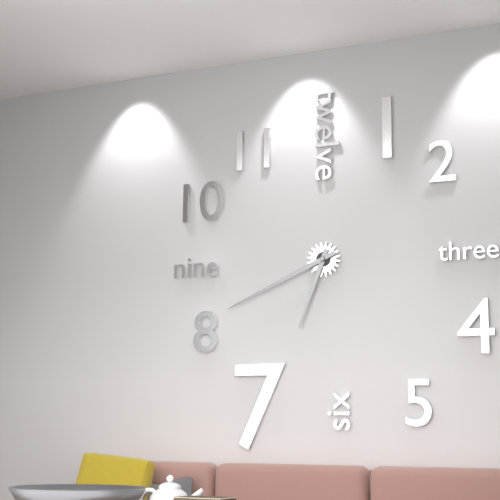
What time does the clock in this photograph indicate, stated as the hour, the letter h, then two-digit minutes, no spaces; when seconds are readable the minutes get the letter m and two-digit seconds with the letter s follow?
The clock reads 6h41
